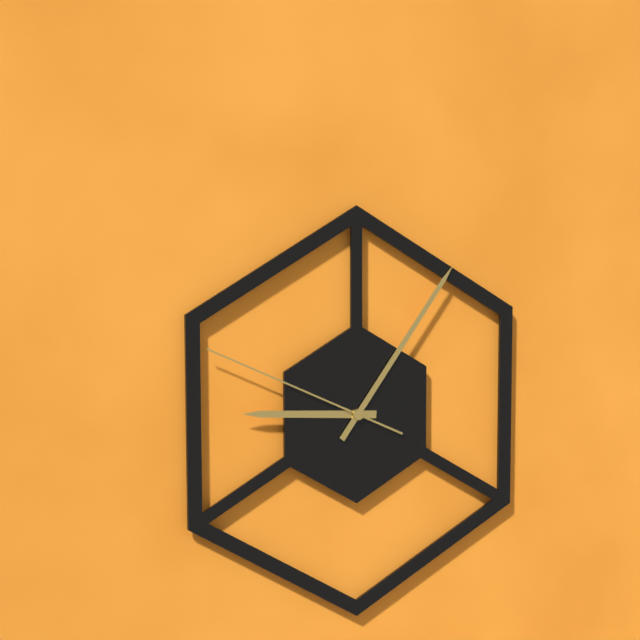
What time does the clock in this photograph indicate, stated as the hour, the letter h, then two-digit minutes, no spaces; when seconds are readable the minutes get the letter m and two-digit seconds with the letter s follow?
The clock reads 9h06m49s
